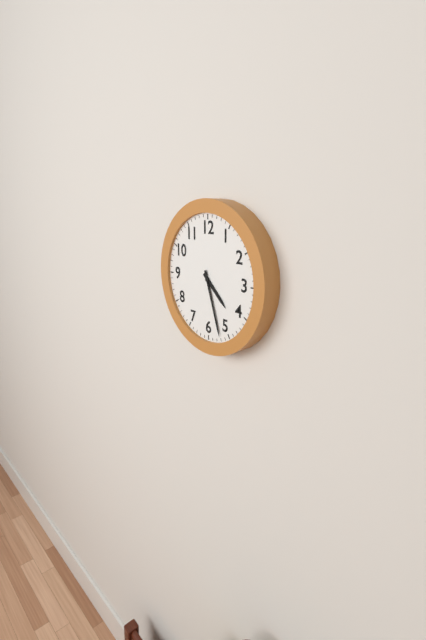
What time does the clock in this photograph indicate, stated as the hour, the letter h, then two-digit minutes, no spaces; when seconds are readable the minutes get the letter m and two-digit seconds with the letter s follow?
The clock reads 4h27
